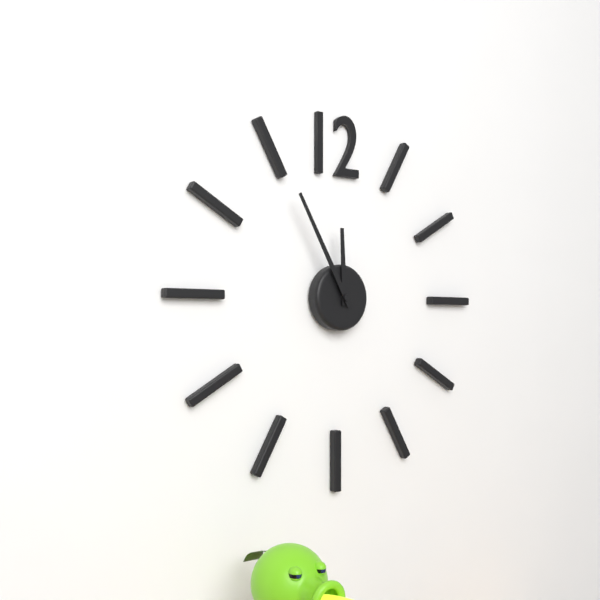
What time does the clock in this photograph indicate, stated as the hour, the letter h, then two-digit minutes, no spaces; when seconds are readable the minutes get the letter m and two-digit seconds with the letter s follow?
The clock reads 11h55
